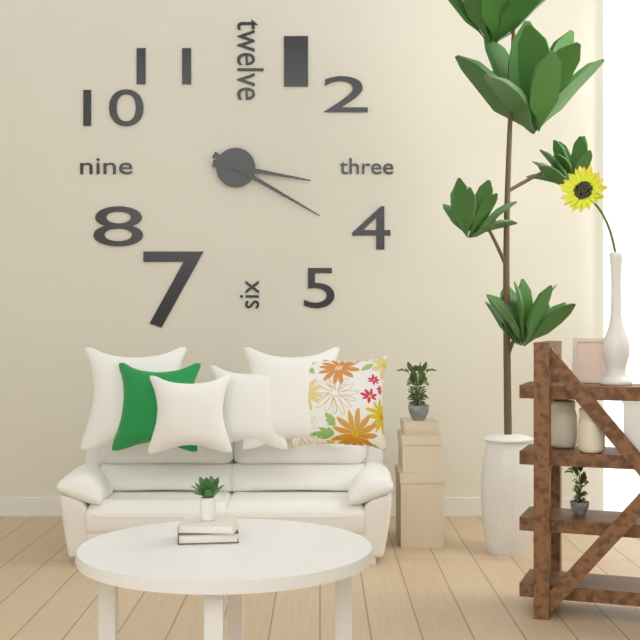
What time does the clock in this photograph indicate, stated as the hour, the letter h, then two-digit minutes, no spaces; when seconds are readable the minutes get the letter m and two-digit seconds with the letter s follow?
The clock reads 3h20
